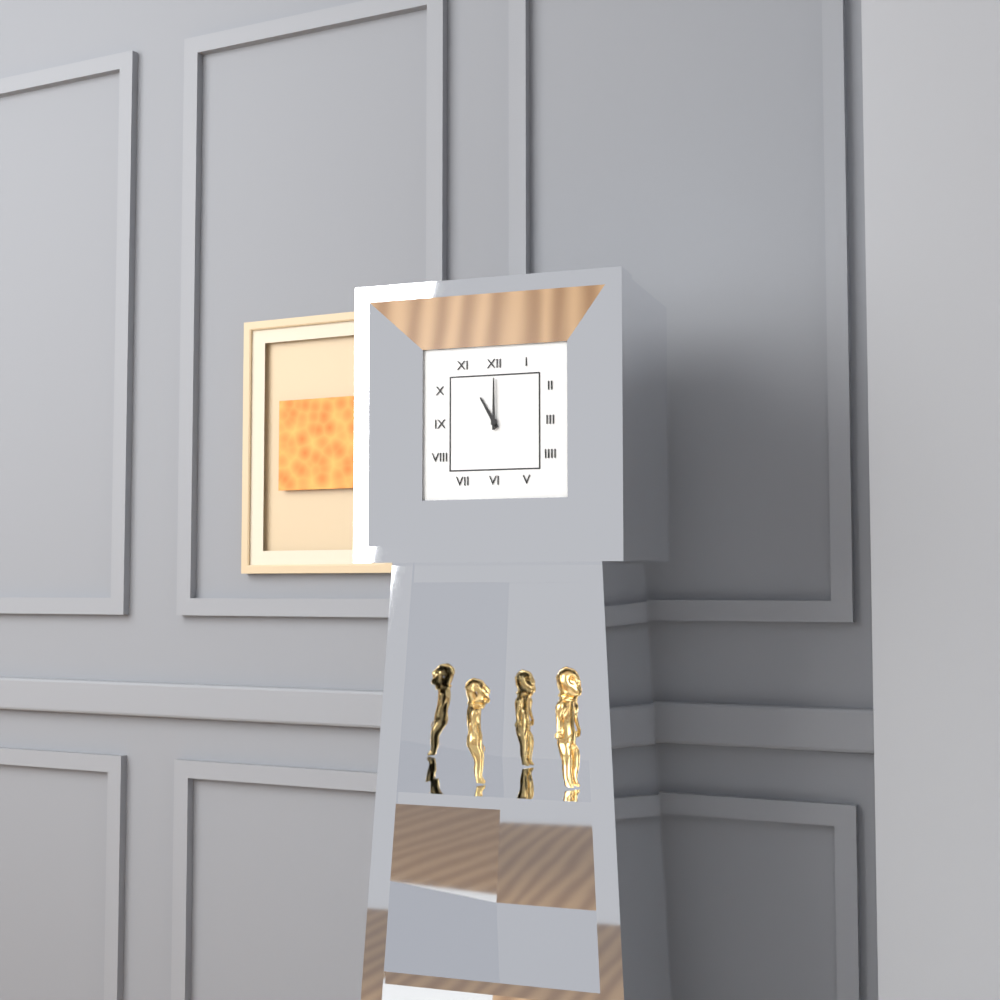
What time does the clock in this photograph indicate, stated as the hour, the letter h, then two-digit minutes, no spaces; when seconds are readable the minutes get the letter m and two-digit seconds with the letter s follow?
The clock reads 11h00
